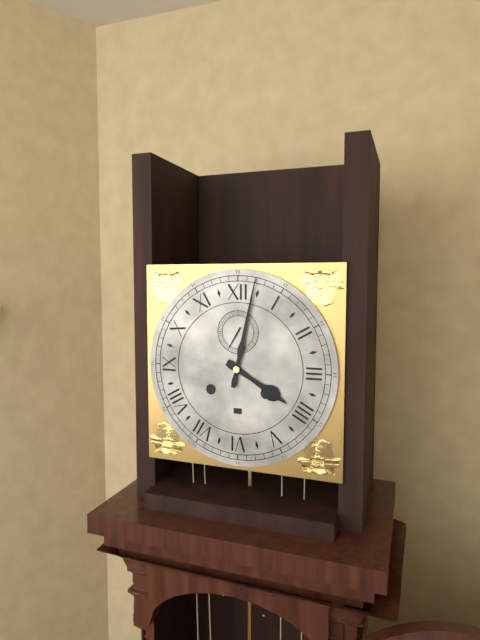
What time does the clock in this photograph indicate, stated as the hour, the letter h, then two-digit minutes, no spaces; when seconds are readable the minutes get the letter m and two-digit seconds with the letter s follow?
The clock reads 4h02
